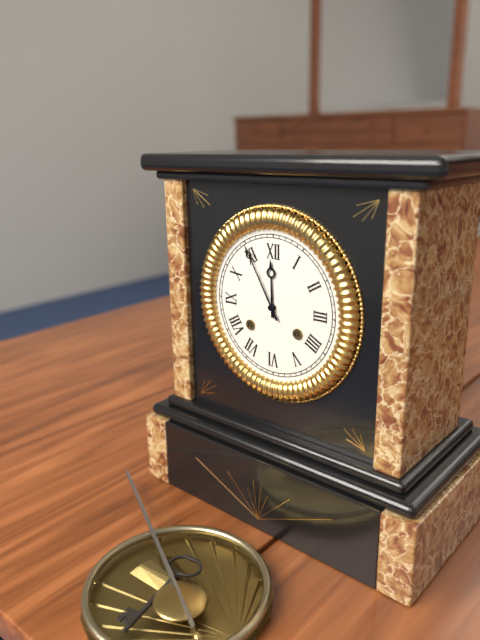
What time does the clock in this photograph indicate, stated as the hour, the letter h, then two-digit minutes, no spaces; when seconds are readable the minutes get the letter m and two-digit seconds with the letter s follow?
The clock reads 11h55
